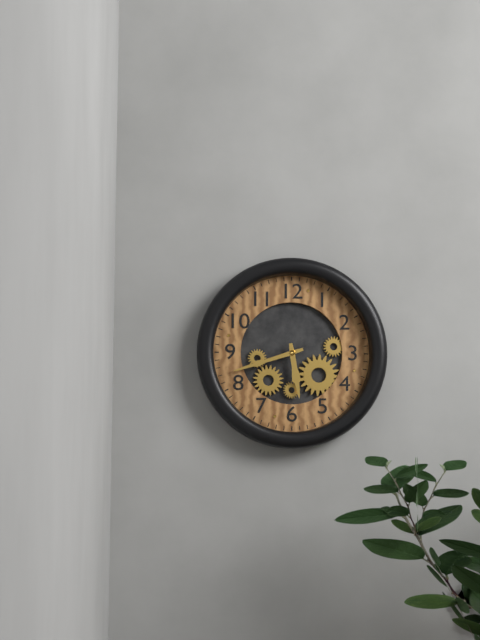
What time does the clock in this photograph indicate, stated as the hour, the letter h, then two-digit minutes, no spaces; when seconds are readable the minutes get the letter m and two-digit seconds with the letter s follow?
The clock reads 5h42
